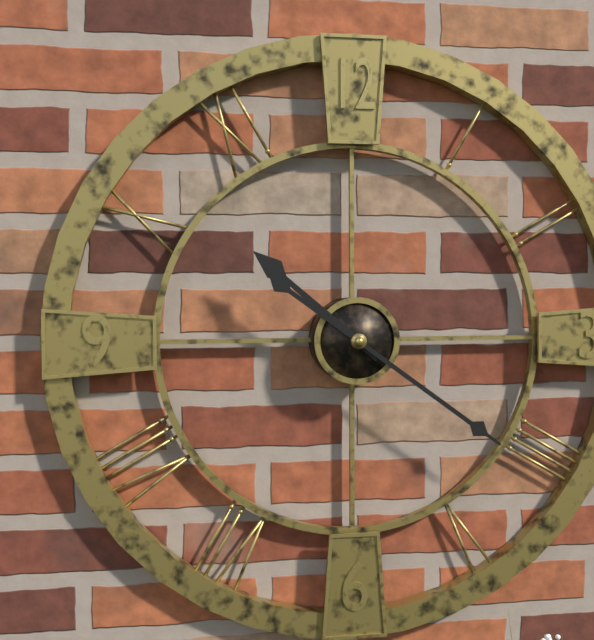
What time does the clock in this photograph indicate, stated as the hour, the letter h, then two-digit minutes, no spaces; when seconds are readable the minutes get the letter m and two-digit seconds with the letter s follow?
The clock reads 10h21
